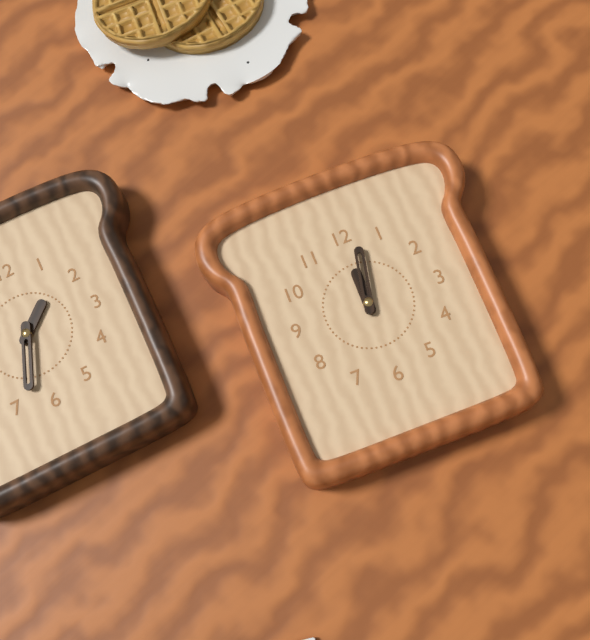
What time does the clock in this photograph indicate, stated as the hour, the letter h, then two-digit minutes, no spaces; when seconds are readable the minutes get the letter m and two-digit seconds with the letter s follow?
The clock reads 12h02
